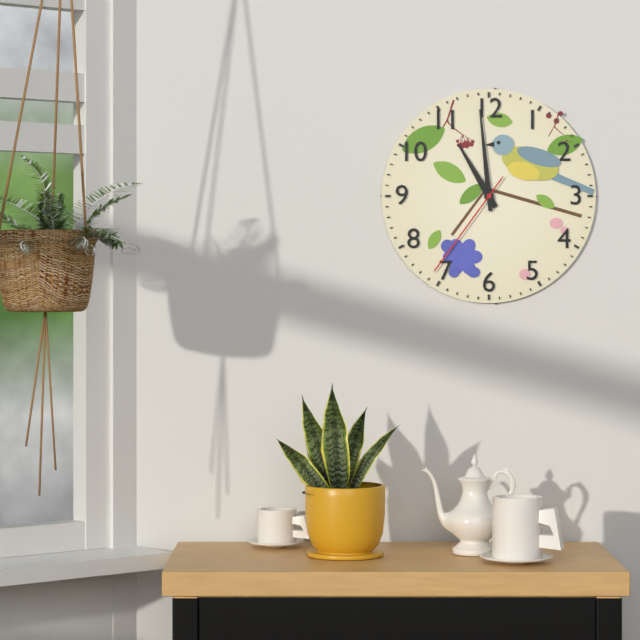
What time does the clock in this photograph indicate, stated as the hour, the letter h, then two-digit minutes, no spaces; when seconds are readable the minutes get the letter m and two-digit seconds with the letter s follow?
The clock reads 10h59m36s
